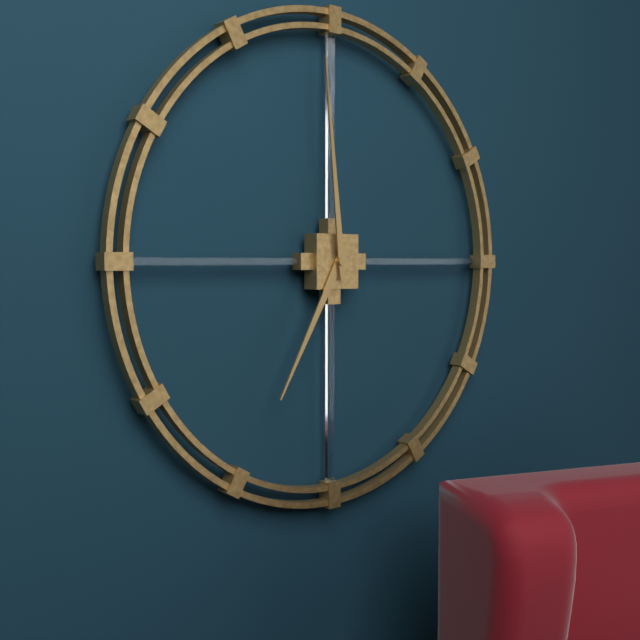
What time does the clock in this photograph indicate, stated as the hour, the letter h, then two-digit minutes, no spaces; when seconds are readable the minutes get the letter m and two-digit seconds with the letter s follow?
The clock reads 6h59
